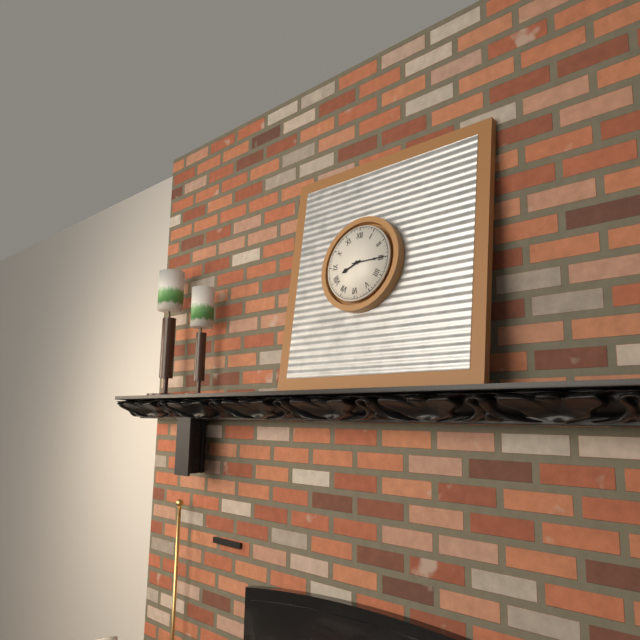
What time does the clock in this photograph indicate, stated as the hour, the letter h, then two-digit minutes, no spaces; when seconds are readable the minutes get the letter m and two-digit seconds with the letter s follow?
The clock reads 8h15
